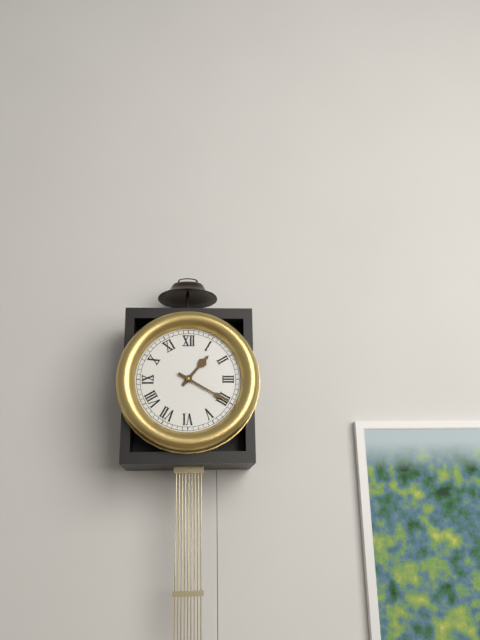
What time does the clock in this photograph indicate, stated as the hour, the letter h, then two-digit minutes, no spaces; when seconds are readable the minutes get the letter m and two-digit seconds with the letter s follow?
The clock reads 1h20
